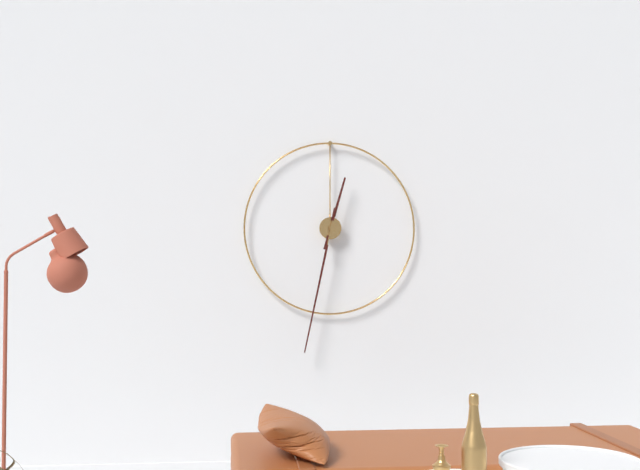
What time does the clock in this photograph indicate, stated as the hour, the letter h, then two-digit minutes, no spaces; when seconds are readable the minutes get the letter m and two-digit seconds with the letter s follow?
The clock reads 12h32
